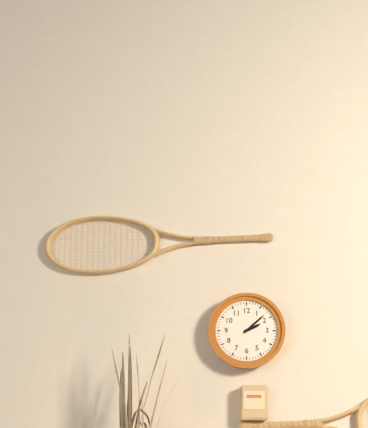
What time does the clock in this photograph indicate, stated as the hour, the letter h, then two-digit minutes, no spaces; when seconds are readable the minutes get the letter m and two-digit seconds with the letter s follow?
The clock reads 2h08
